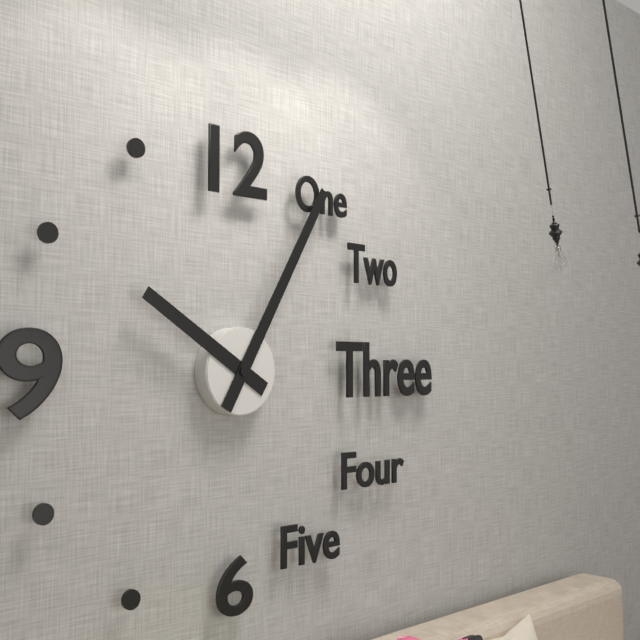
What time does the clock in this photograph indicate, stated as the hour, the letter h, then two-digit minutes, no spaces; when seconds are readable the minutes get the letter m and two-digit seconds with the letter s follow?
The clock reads 10h05
